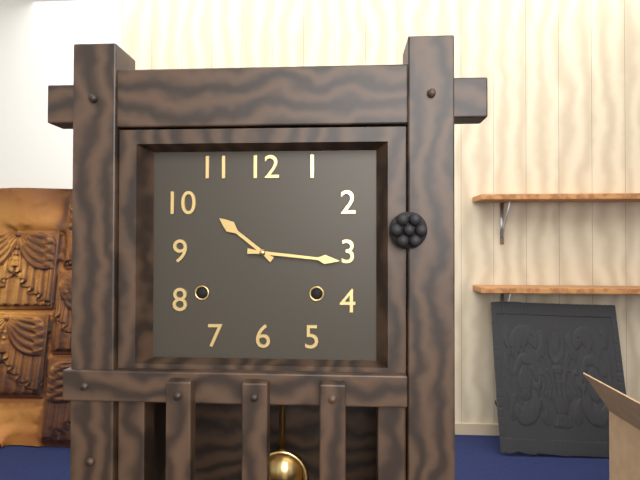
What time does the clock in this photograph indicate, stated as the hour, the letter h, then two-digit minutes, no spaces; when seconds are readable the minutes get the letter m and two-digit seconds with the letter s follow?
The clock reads 10h16
